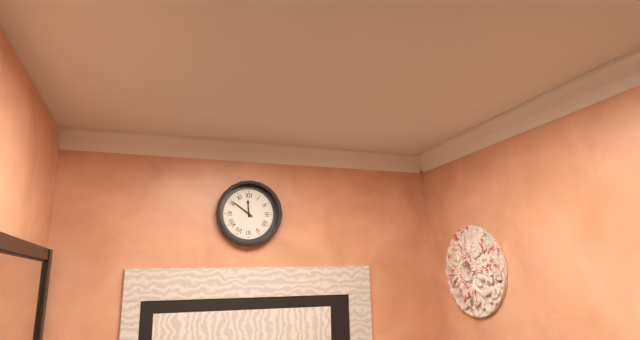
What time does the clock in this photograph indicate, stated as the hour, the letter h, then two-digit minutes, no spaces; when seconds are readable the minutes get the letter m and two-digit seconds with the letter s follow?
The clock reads 11h51
